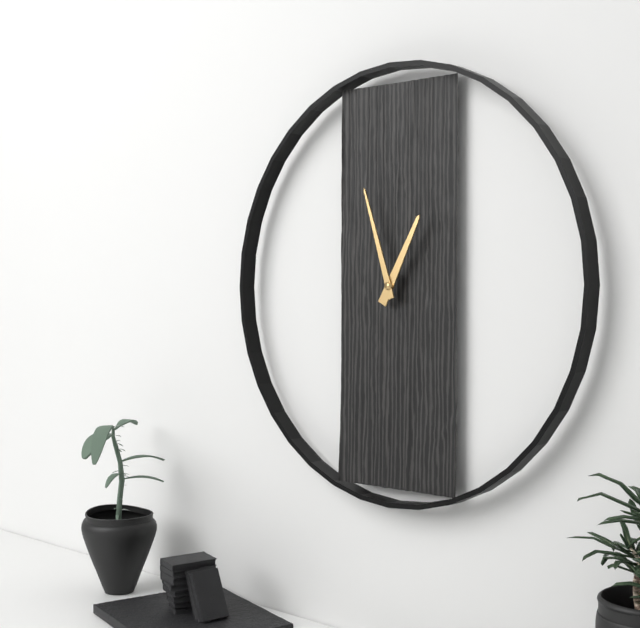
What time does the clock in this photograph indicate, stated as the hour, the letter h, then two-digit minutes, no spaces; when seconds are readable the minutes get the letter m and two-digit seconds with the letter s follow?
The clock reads 12h57
